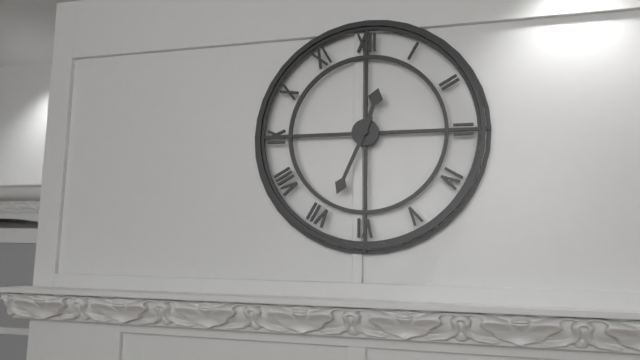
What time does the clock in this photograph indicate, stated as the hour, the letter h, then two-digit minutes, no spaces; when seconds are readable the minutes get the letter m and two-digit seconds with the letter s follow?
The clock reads 12h34
